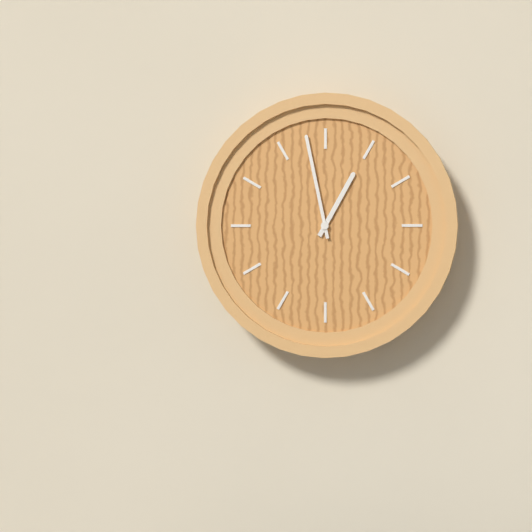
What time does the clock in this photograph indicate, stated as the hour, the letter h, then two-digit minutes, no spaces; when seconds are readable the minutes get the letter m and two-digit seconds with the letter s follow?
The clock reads 12h58
